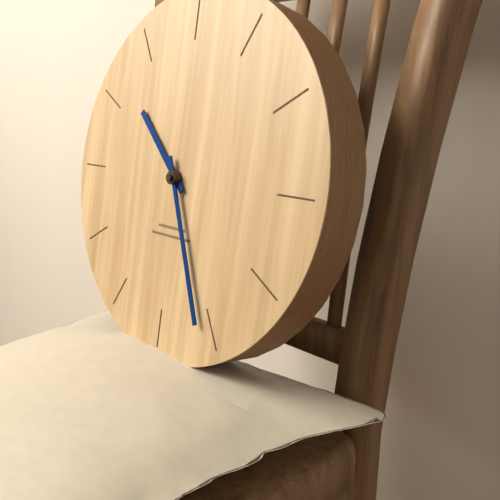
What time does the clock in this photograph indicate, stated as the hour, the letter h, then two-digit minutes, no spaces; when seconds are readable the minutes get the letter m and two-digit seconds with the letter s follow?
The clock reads 10h26
